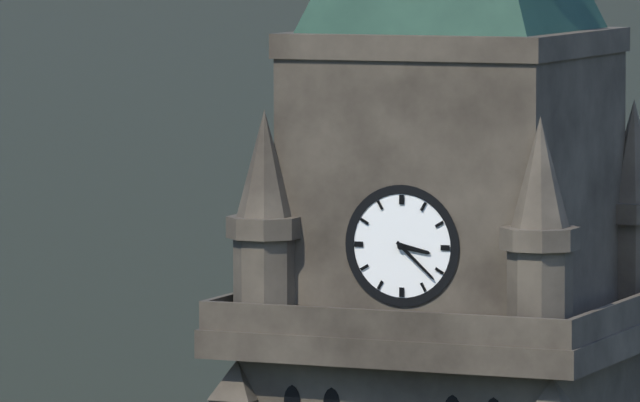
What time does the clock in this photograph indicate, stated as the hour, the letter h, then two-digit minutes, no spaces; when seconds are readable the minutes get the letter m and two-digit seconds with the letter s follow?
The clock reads 3h22
